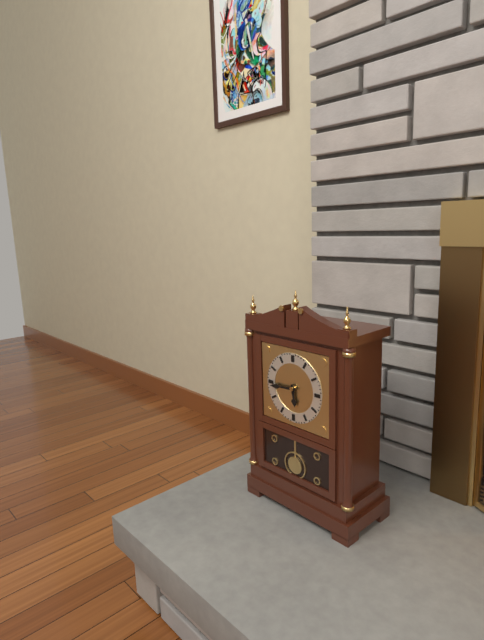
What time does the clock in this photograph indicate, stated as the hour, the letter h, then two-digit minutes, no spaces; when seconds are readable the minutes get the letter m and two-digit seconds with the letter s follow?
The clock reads 5h44
